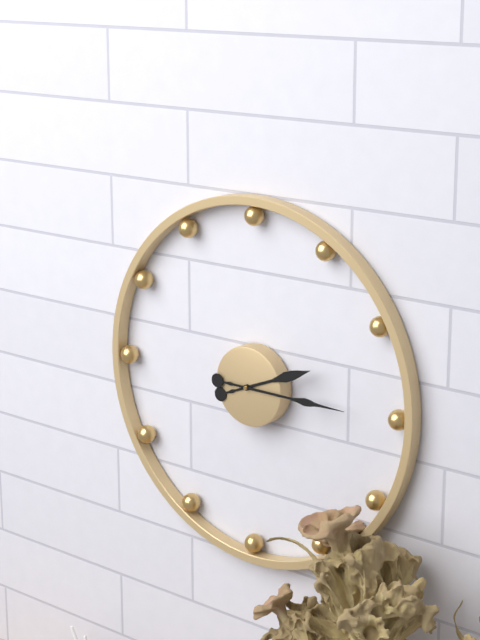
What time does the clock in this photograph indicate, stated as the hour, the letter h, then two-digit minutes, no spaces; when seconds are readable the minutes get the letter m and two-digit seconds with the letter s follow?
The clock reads 2h15
